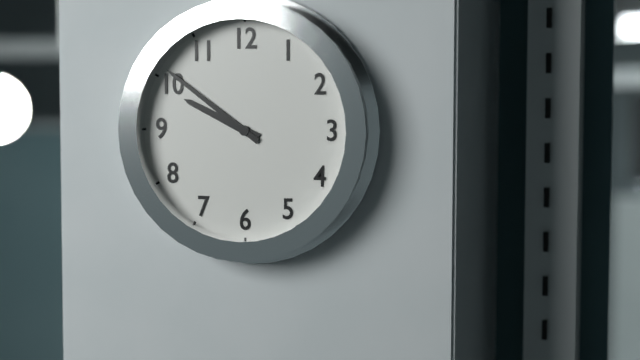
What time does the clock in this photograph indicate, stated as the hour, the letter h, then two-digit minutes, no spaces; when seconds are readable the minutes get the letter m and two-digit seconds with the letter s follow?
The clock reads 9h51
